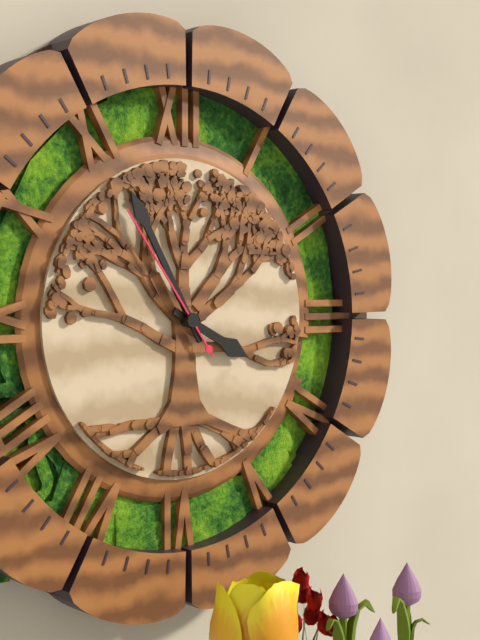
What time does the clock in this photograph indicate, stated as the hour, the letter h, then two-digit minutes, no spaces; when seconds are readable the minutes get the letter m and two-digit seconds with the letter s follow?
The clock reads 3h55m54s
